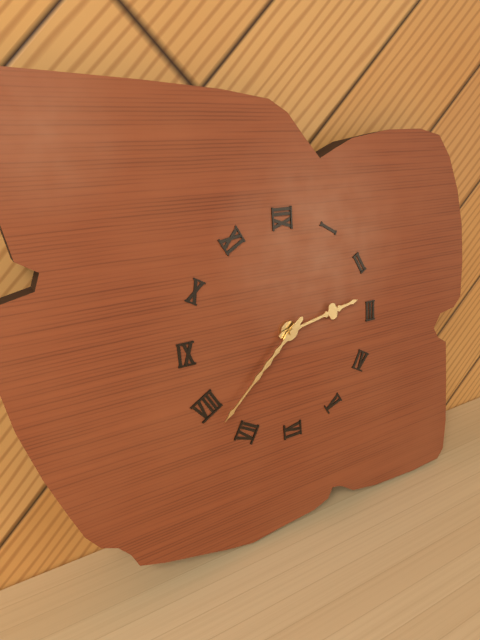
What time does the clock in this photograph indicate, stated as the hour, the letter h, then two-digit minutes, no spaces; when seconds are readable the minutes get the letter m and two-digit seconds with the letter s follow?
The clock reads 2h38
